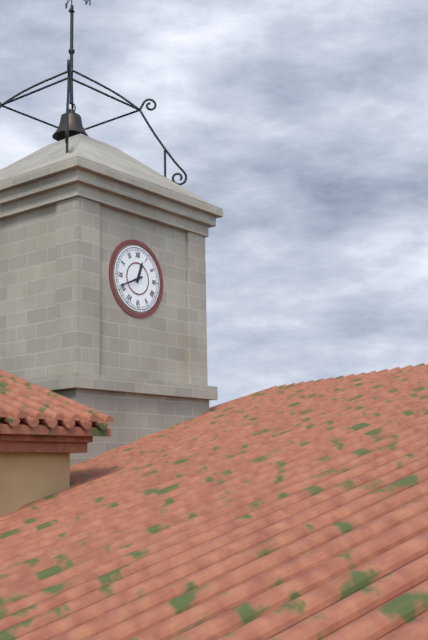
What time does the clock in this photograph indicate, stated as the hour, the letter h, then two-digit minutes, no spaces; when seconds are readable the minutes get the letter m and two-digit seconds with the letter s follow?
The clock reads 12h41
